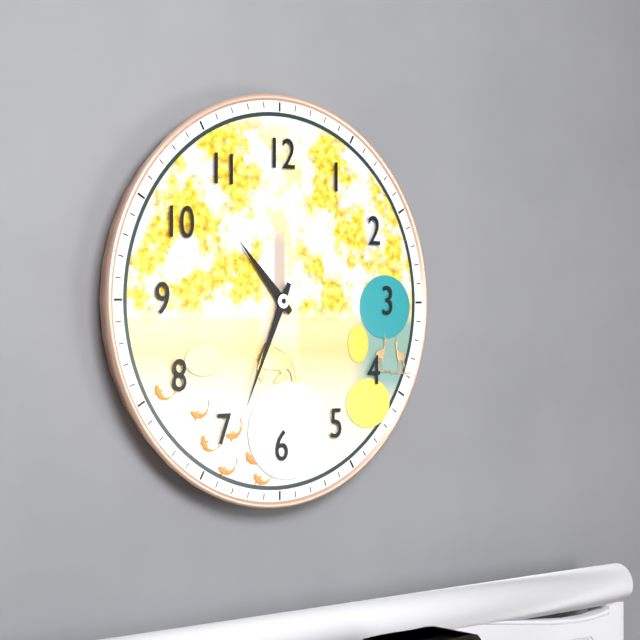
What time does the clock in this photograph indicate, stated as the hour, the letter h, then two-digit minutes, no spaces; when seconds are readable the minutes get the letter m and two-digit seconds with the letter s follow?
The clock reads 10h34
